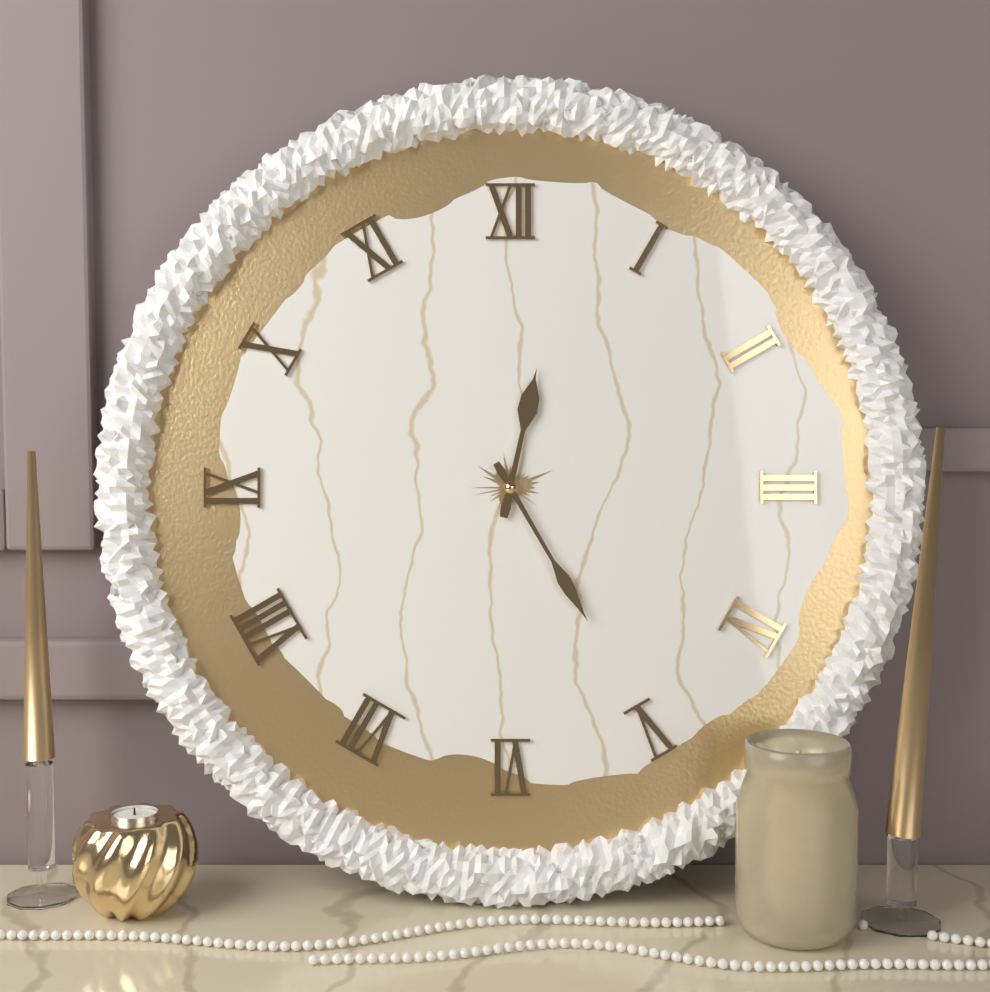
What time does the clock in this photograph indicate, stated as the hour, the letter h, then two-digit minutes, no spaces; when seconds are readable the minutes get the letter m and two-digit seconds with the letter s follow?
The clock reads 12h25
